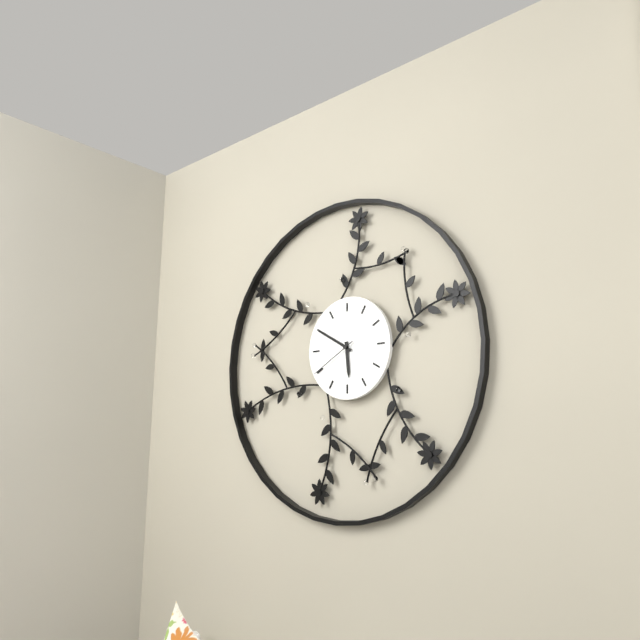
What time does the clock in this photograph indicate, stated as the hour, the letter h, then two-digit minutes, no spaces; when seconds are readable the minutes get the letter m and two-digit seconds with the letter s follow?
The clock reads 5h50m40s
